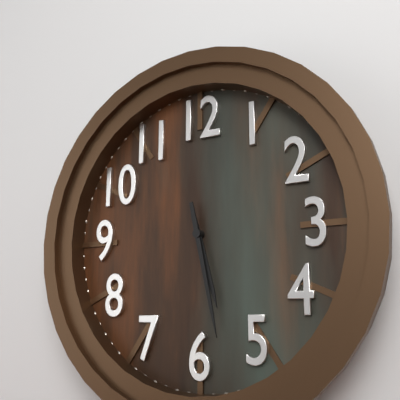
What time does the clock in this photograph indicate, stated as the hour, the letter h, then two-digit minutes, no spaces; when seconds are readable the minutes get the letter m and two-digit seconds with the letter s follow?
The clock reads 5h28
